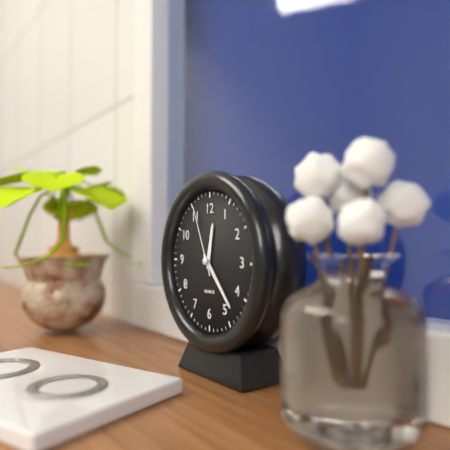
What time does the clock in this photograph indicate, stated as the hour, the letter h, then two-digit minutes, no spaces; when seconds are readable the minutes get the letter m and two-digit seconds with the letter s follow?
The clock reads 12h23m56s
